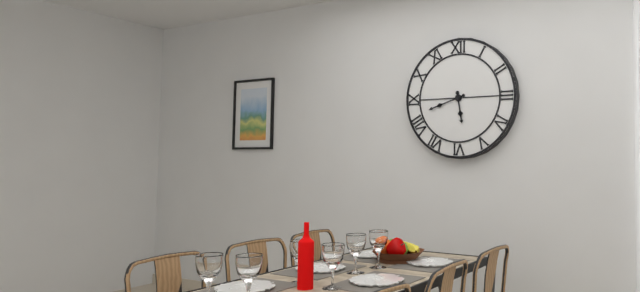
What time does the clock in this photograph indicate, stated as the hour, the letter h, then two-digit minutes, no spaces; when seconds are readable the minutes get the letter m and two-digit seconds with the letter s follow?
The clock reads 5h42
